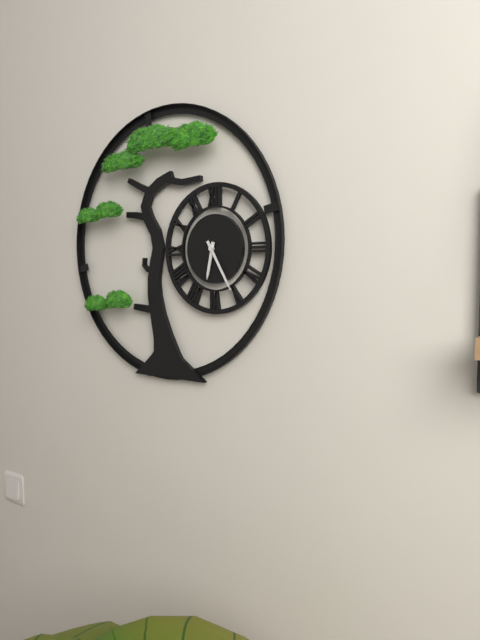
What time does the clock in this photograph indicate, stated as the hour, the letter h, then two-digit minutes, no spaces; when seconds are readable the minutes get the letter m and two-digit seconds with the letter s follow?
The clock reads 6h25
